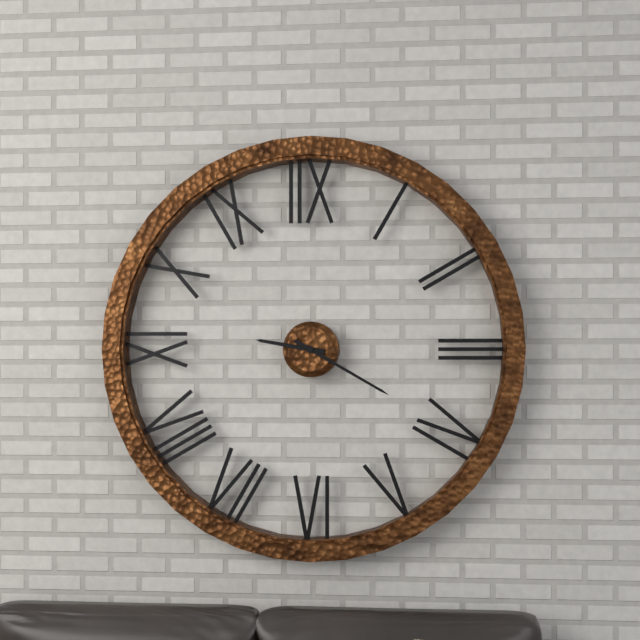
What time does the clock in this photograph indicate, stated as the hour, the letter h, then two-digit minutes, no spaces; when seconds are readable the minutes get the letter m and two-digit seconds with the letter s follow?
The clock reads 9h20
